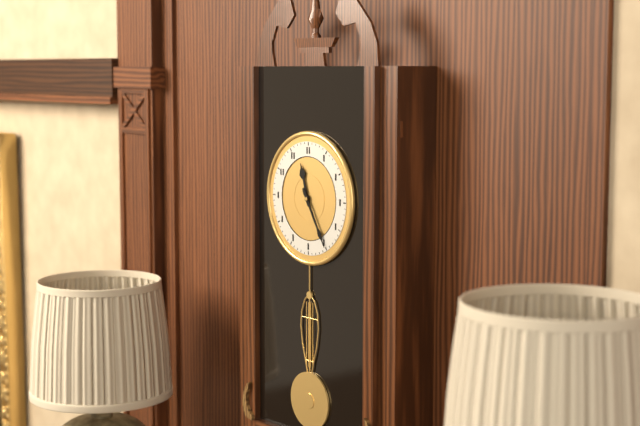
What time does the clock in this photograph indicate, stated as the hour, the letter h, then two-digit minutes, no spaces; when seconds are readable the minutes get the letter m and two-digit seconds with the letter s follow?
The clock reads 11h25
